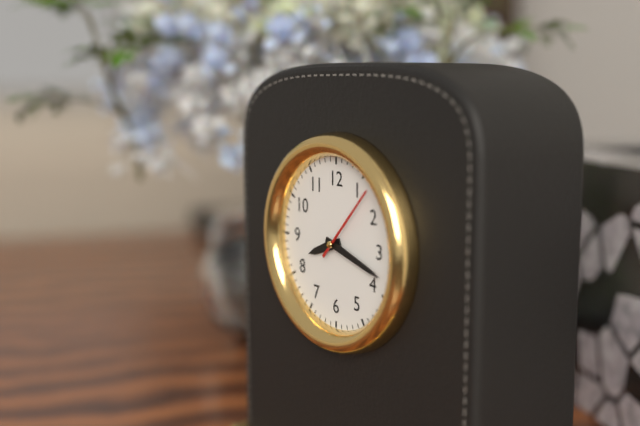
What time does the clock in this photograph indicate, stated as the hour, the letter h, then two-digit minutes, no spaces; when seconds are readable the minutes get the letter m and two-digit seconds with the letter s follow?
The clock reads 8h18m07s
